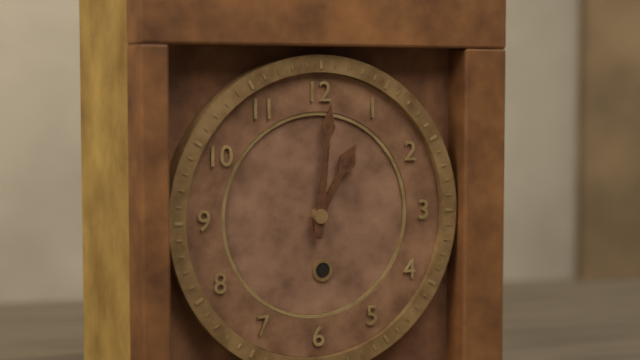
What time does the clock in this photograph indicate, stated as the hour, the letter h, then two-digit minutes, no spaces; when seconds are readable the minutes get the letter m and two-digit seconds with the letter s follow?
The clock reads 1h01
